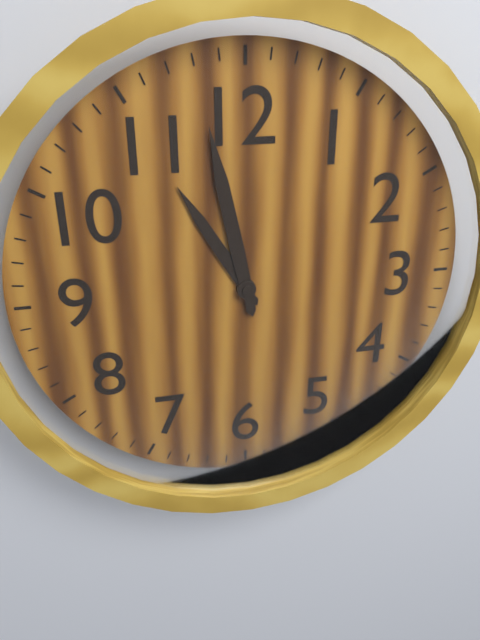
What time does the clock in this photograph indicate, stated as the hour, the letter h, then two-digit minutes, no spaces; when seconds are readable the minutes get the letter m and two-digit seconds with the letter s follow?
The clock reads 10h58
